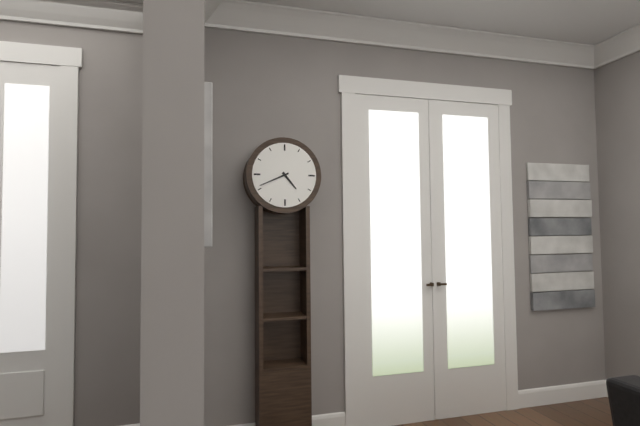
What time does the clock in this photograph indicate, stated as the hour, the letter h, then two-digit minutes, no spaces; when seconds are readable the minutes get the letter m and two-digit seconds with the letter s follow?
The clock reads 4h41
